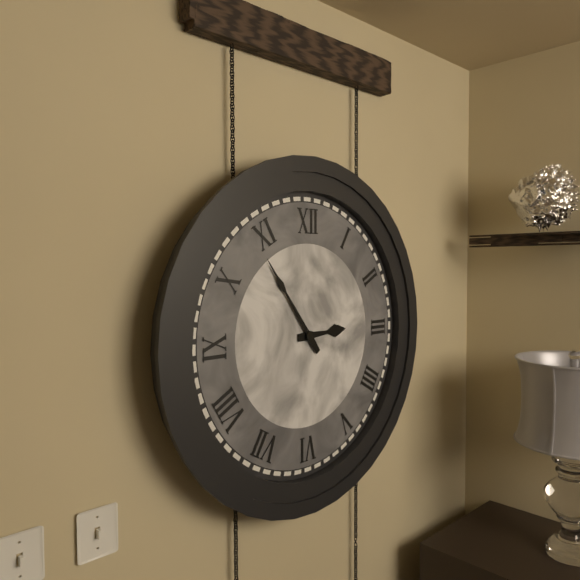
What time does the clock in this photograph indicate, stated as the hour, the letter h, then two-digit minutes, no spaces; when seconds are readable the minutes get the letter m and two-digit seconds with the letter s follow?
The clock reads 2h54
